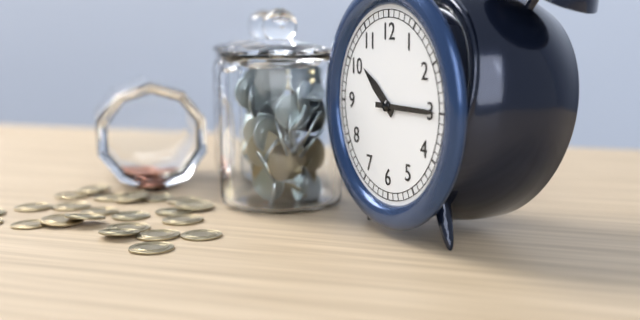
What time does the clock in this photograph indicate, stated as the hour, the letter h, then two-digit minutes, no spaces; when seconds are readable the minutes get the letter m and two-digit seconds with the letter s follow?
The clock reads 10h15
